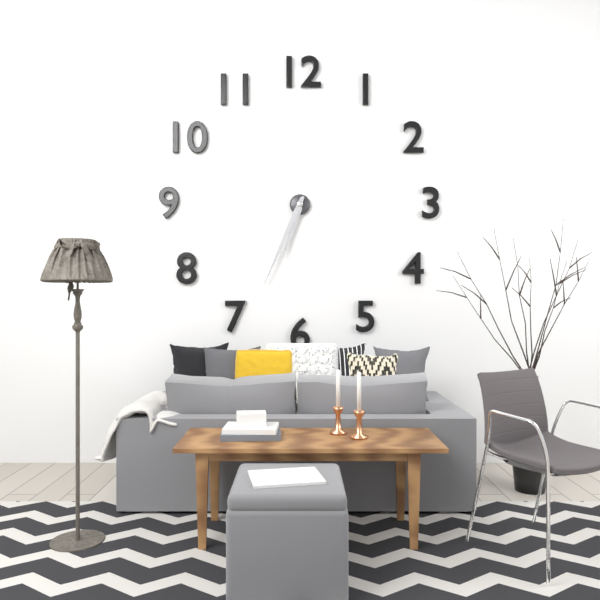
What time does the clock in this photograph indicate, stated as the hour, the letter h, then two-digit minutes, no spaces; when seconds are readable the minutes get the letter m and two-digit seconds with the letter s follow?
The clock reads 6h34
